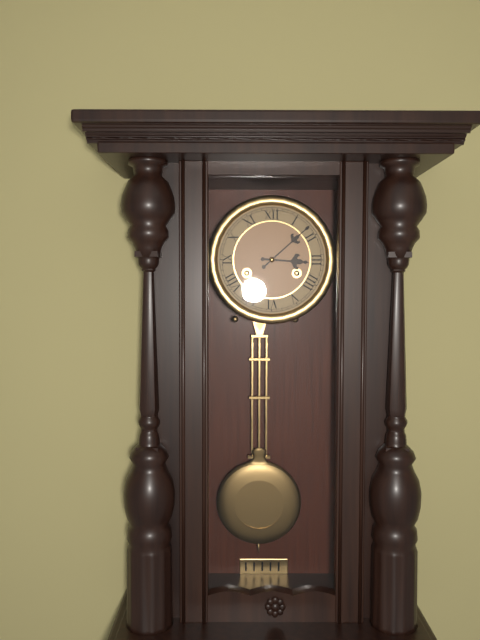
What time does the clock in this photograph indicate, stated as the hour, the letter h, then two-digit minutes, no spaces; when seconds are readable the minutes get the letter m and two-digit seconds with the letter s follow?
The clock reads 3h08
